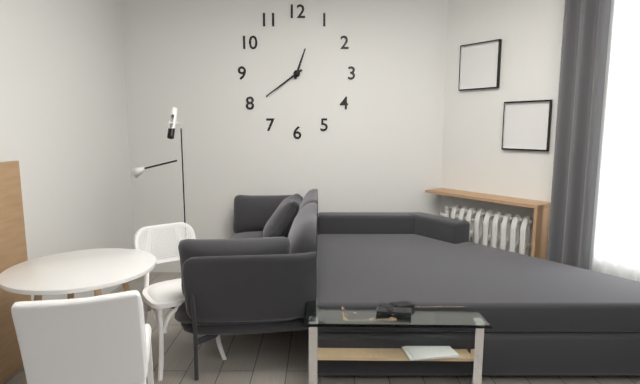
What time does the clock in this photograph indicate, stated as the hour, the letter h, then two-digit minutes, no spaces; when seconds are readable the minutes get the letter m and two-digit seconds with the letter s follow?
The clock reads 12h39
